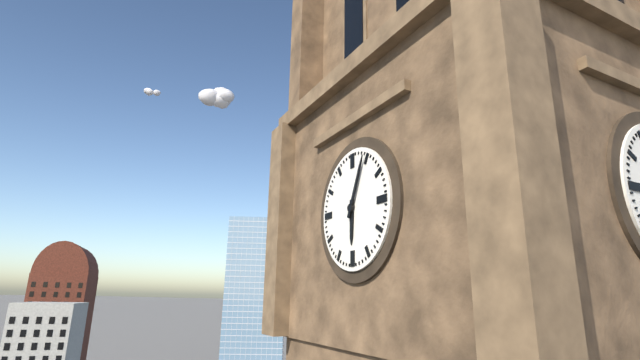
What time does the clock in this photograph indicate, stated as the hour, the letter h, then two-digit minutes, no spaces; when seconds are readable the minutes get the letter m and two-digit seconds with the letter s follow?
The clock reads 6h04
